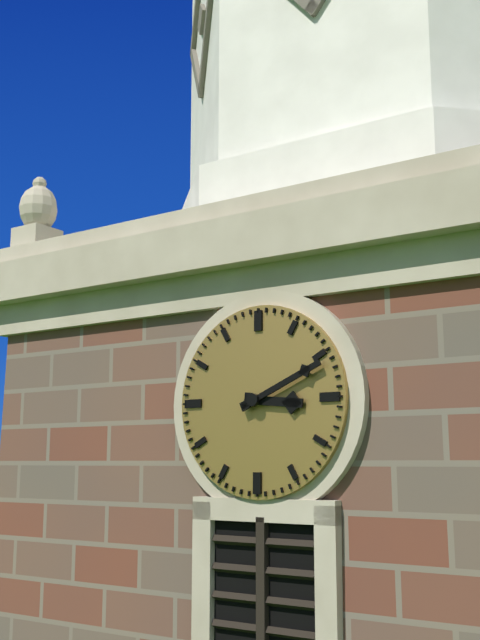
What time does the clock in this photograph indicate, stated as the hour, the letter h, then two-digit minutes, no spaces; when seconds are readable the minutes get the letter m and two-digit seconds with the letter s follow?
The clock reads 3h11
